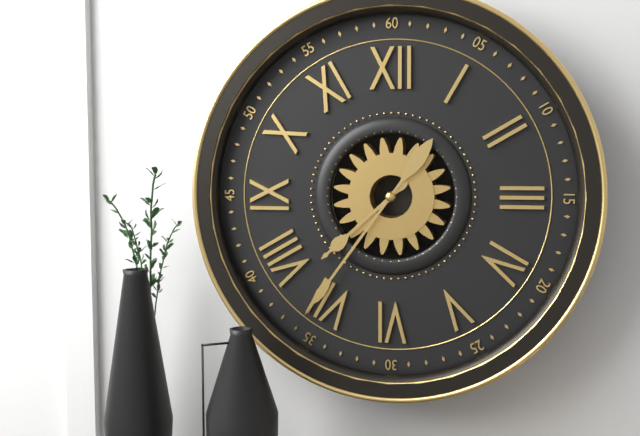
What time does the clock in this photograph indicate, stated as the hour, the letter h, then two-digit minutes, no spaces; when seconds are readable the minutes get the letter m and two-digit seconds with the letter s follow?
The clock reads 7h36
